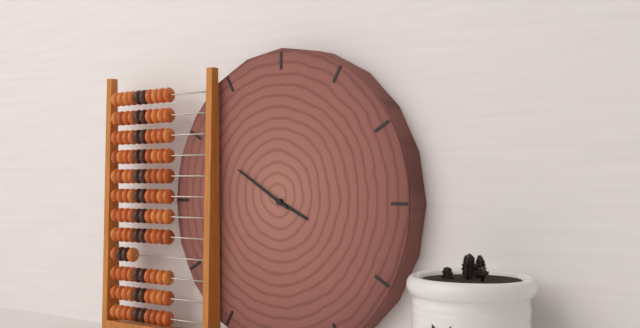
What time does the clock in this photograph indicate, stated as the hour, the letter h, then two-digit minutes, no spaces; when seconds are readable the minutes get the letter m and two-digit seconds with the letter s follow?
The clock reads 3h50
